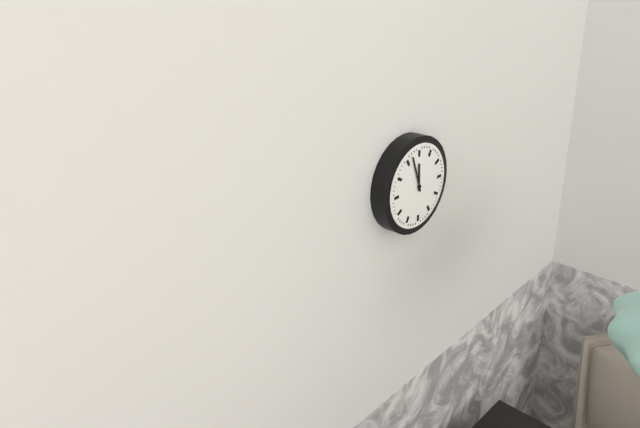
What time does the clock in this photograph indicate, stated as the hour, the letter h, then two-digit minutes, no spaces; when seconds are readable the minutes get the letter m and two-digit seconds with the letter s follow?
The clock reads 11h57
